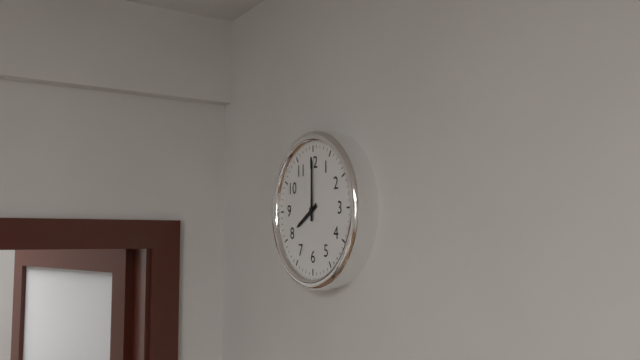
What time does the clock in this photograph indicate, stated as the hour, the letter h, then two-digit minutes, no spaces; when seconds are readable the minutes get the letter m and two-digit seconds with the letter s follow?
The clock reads 8h00
